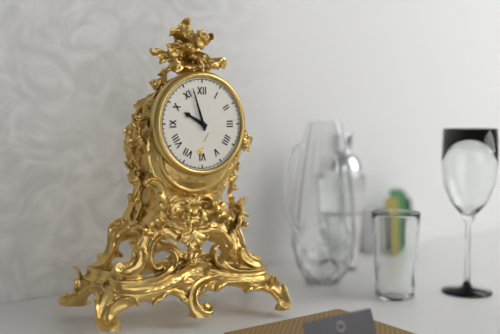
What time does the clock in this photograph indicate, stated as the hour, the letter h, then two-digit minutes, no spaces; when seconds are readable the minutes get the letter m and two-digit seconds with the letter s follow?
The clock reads 9h57
